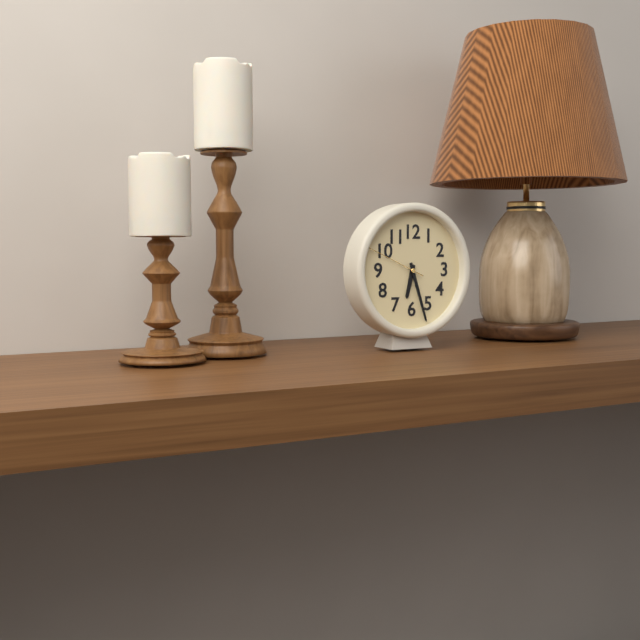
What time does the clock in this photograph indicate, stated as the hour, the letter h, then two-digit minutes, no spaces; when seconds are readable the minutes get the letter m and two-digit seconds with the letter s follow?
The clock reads 6h27m49s
